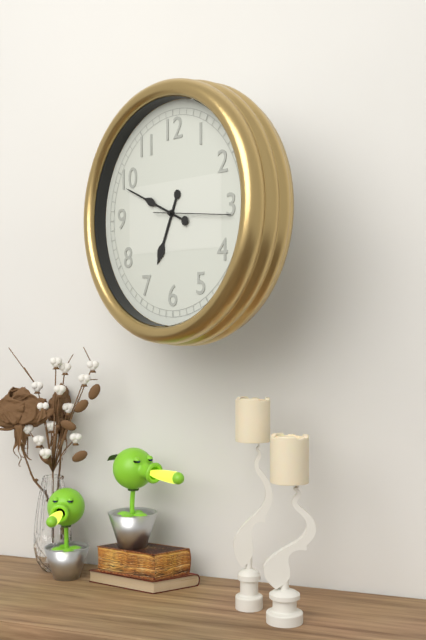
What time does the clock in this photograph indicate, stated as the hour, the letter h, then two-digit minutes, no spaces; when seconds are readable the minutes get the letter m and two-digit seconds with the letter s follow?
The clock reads 6h49m16s
